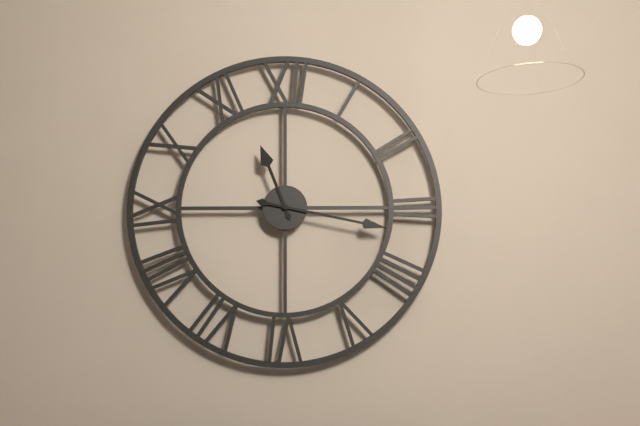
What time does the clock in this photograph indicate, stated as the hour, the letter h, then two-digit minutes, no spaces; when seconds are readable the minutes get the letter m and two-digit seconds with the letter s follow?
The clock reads 11h17
